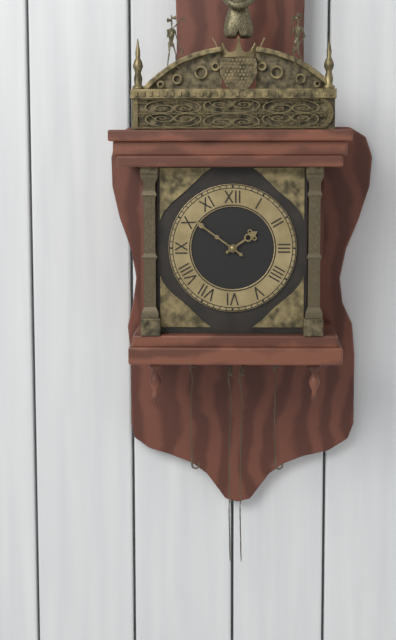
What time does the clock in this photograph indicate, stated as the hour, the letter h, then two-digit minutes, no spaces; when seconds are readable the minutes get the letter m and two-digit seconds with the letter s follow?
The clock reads 1h51
